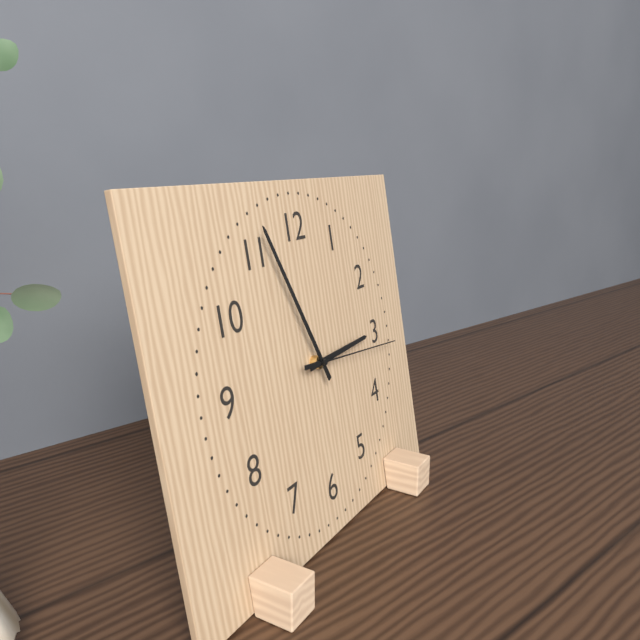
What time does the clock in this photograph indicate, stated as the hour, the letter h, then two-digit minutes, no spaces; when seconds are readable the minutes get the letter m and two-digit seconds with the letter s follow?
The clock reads 2h56m16s
